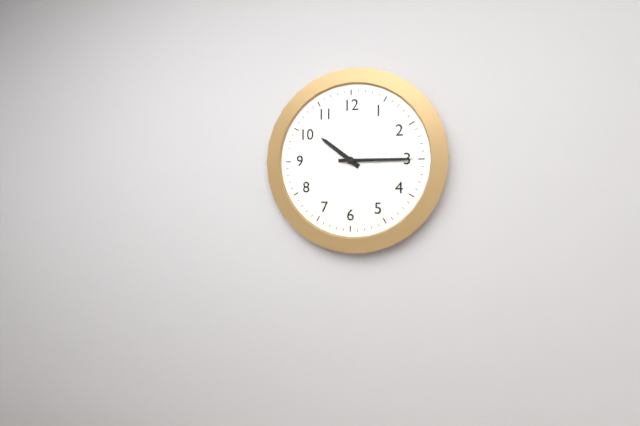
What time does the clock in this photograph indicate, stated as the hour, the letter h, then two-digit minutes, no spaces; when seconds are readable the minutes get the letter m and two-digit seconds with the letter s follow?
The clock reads 10h15
